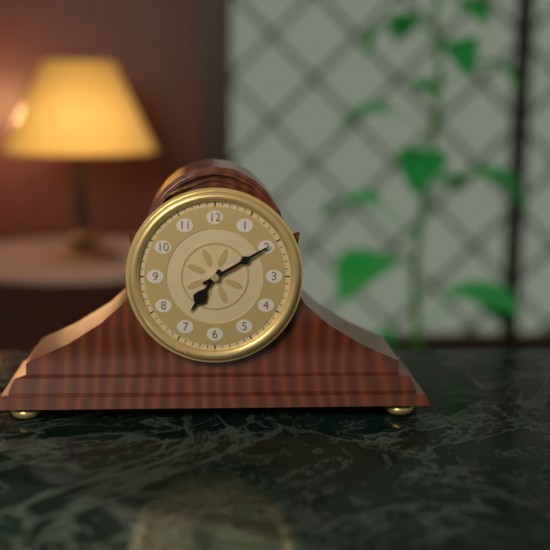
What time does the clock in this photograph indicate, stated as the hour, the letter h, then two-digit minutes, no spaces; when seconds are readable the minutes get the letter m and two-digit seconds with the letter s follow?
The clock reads 7h10
